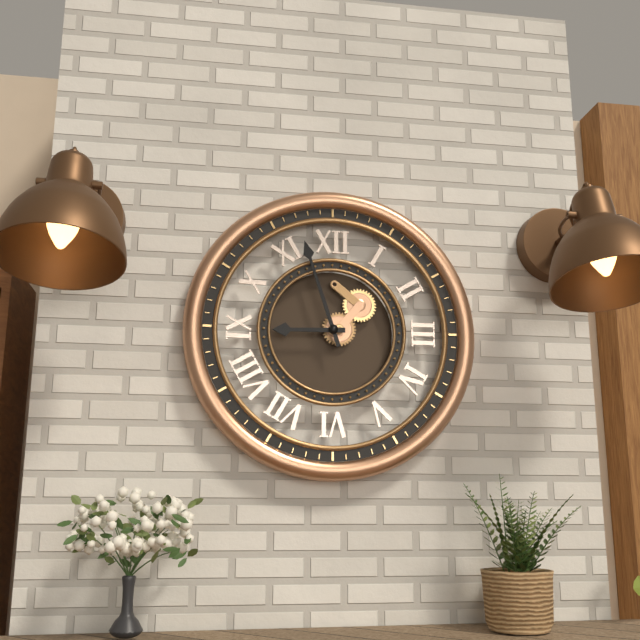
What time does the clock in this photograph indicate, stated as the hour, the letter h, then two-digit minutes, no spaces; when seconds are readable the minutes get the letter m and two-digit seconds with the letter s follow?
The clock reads 8h57
